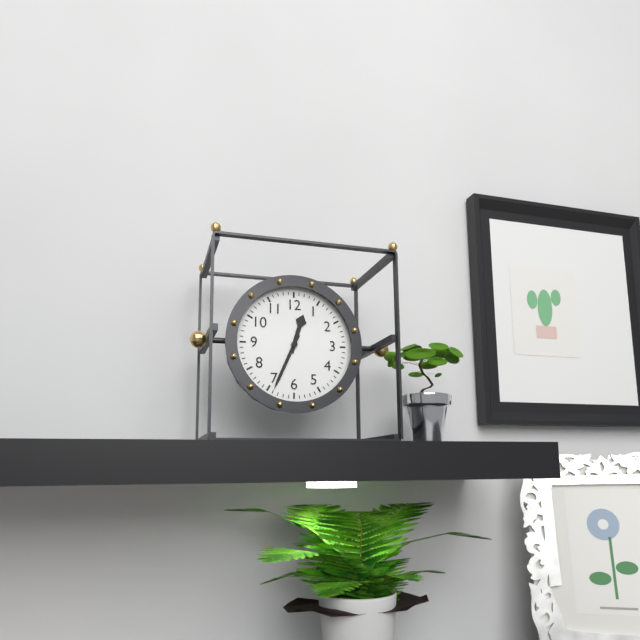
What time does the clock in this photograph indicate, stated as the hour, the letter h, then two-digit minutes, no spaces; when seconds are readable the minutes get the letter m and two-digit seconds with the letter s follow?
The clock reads 12h34
